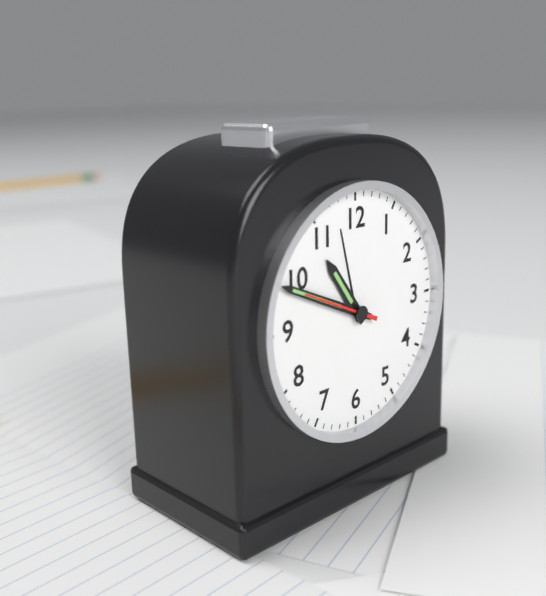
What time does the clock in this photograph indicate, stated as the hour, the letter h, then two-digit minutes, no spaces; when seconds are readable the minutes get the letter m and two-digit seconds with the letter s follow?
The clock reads 10h49m49s
